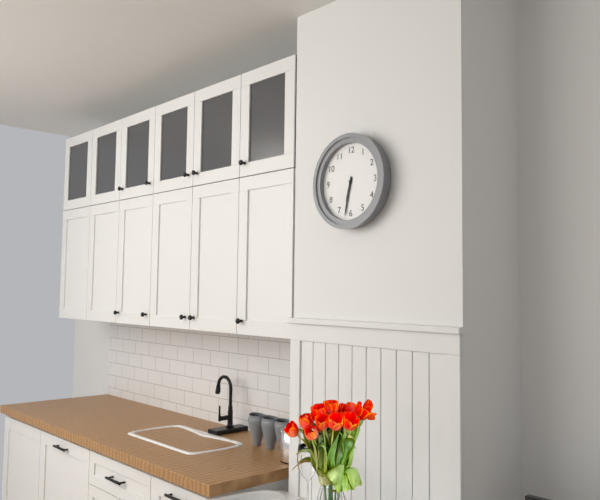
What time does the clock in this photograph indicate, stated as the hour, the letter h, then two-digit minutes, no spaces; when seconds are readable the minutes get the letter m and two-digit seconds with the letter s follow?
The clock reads 6h32
